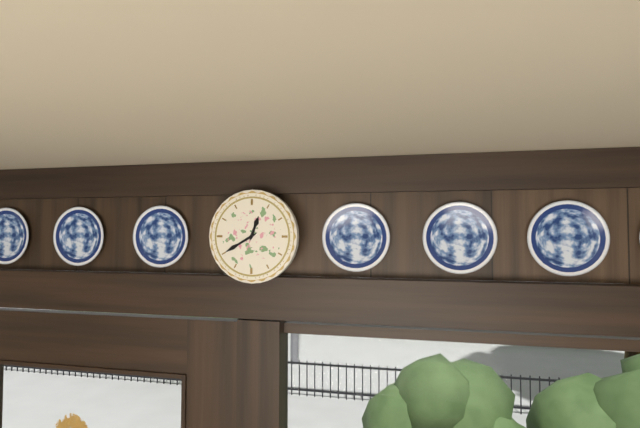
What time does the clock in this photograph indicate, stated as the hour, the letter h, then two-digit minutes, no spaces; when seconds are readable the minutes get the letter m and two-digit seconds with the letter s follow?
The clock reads 12h40
